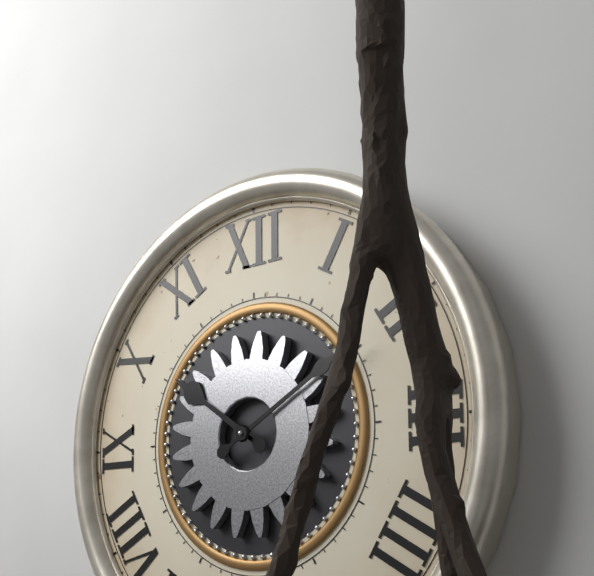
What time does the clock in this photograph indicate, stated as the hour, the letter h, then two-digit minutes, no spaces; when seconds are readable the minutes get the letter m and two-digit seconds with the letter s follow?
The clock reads 10h10
